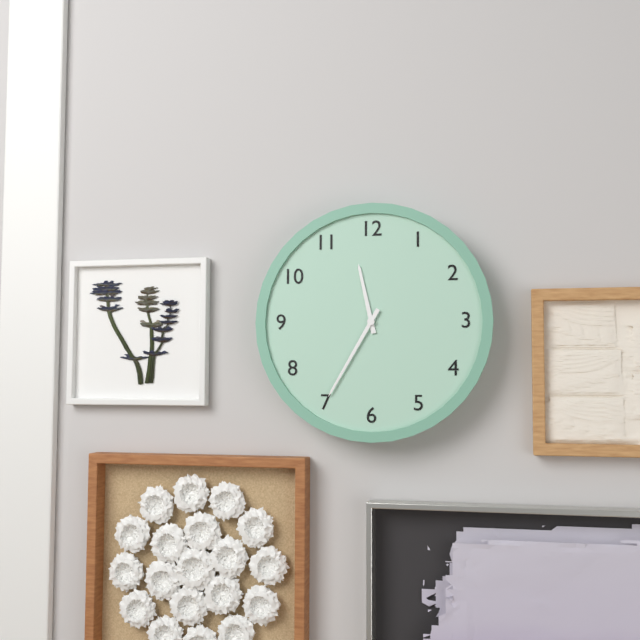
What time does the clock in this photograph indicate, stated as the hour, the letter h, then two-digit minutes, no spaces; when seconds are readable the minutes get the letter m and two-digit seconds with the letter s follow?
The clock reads 11h35
